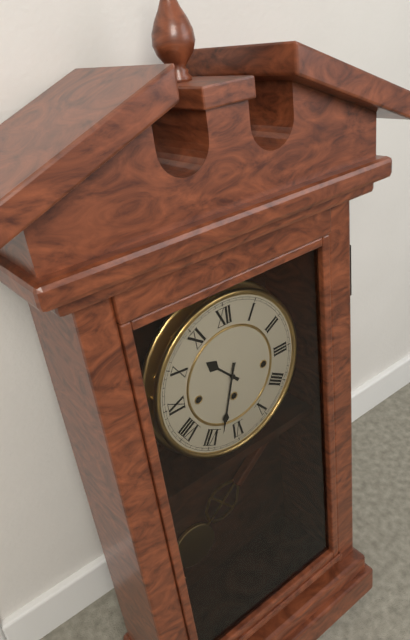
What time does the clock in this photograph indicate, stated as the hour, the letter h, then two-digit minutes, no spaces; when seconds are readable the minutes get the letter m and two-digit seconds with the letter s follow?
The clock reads 10h33
